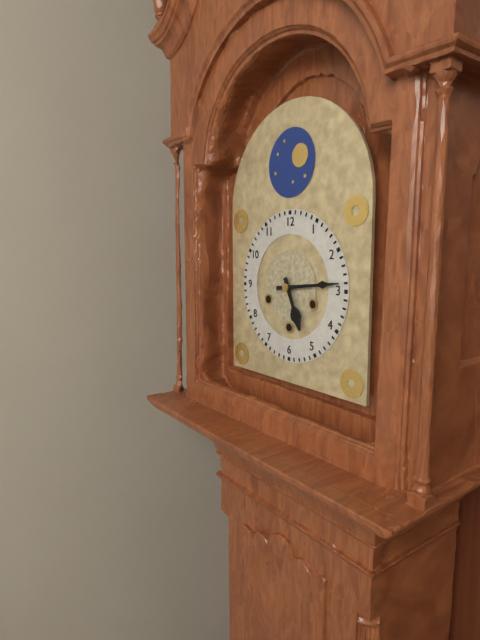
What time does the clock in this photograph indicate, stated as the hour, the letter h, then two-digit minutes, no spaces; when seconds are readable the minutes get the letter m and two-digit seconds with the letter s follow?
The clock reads 5h14
